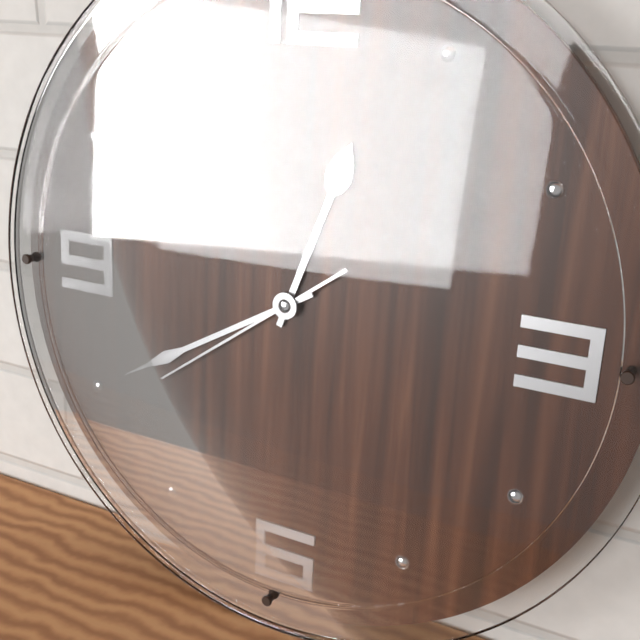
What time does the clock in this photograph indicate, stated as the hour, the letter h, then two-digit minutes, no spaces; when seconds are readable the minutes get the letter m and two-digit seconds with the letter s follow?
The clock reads 12h40m39s
